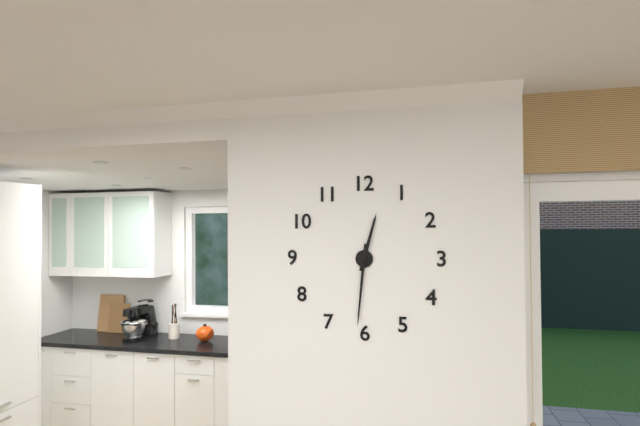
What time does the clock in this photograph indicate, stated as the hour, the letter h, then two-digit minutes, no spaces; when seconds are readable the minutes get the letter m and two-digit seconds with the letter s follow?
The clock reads 12h31
